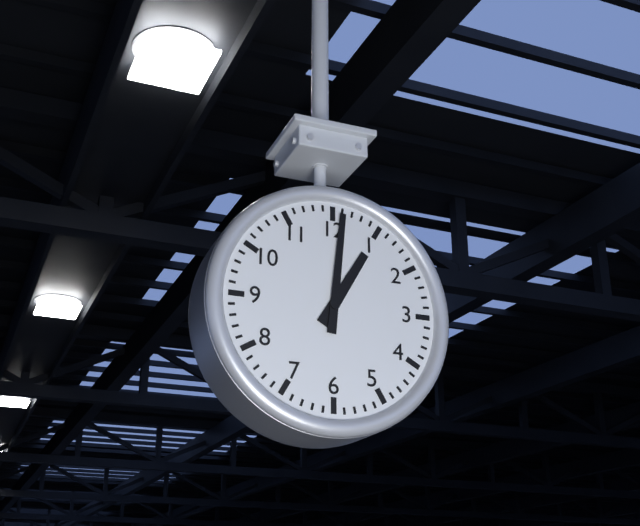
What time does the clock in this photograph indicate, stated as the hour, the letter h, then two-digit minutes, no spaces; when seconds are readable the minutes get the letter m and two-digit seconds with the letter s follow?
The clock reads 1h01
